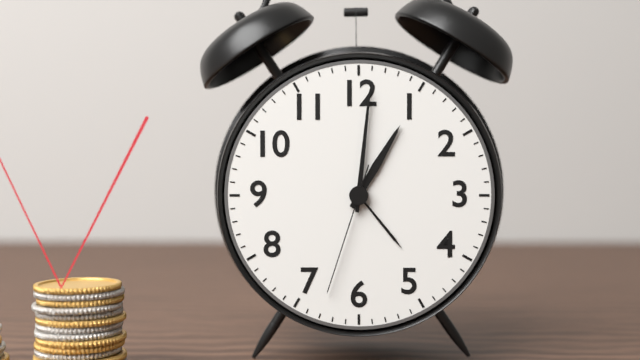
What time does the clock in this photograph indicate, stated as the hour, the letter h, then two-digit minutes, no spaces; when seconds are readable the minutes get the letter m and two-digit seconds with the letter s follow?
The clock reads 1h01m33s
